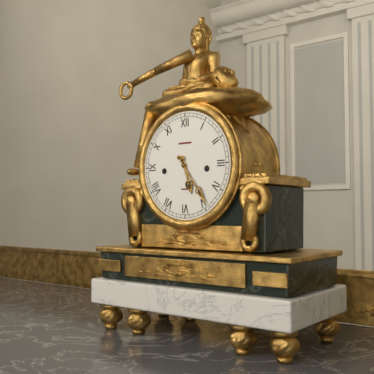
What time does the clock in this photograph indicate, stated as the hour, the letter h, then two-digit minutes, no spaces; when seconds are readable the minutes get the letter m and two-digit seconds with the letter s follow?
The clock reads 5h24
